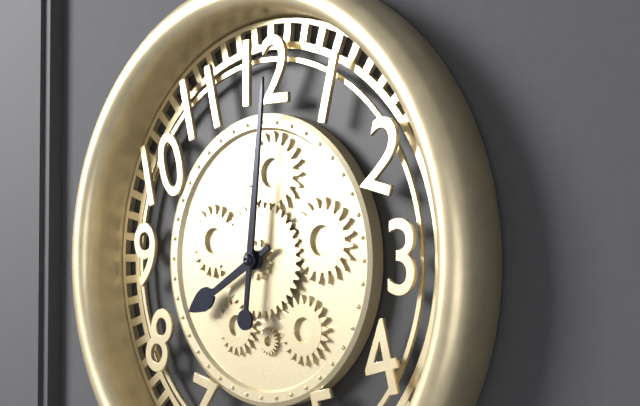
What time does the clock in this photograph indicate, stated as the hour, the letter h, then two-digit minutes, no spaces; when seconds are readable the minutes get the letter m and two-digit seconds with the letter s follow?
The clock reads 8h01
